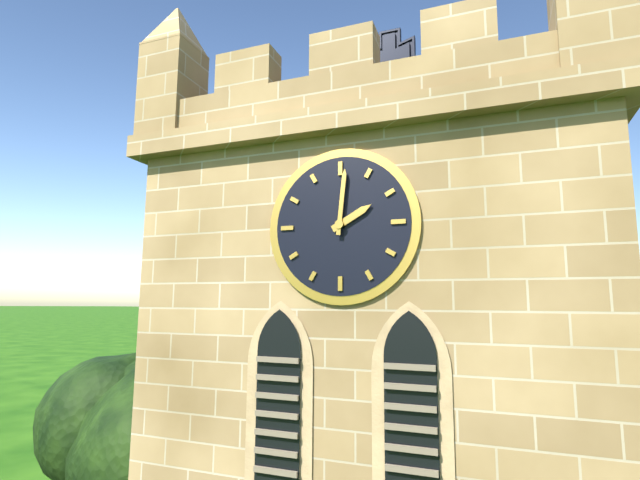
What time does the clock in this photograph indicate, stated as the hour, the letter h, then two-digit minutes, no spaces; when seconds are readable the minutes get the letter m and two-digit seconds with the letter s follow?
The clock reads 2h01
